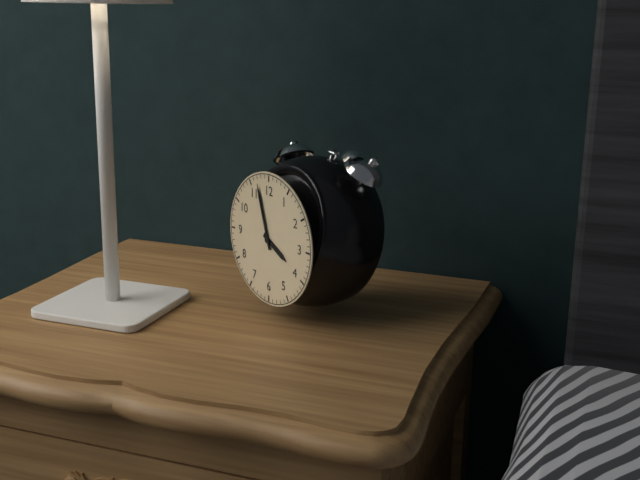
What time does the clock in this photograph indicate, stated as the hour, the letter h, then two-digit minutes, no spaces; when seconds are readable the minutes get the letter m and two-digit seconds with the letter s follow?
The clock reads 3h57
